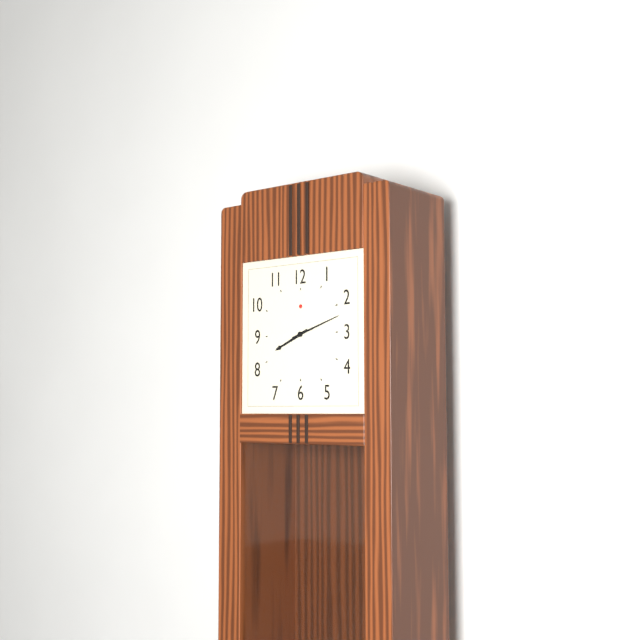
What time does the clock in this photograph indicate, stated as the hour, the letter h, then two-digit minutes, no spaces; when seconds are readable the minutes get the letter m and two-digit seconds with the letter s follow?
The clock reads 8h12
